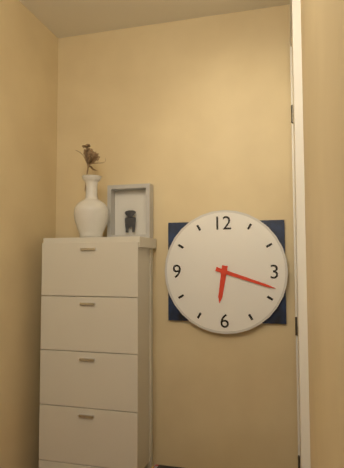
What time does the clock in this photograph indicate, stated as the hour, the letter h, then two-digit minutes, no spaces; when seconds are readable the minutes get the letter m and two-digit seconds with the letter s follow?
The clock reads 6h18
